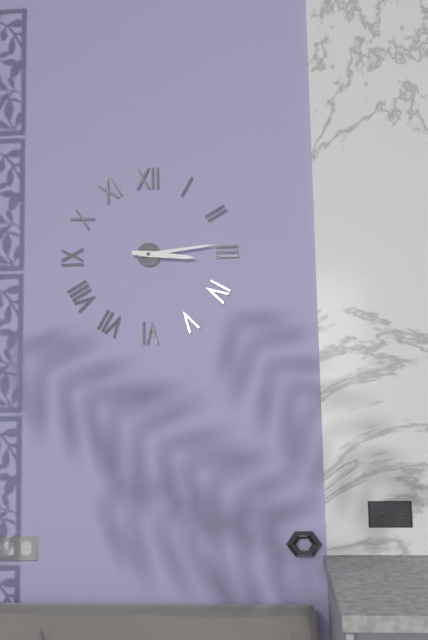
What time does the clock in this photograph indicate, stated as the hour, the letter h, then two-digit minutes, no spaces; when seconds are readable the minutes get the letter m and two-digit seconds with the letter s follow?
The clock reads 3h14
